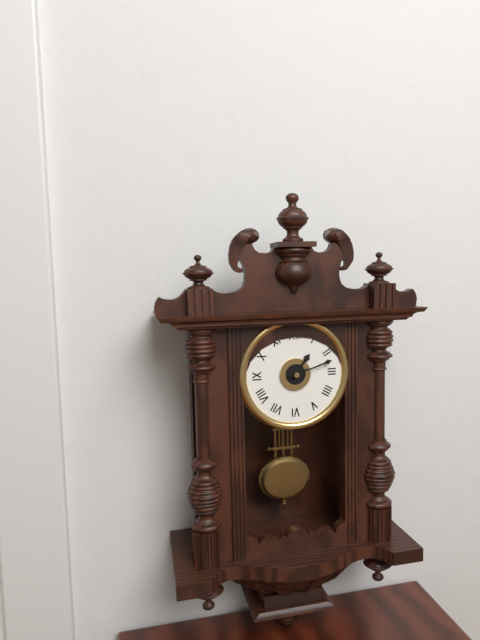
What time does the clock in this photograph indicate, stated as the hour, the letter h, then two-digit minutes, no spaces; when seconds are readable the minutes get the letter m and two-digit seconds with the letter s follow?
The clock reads 1h12
